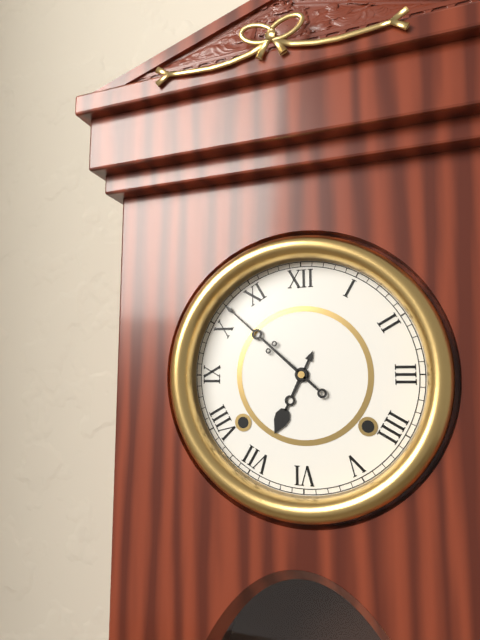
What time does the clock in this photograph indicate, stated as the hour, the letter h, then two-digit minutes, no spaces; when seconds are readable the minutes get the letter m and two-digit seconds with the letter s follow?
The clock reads 6h52
